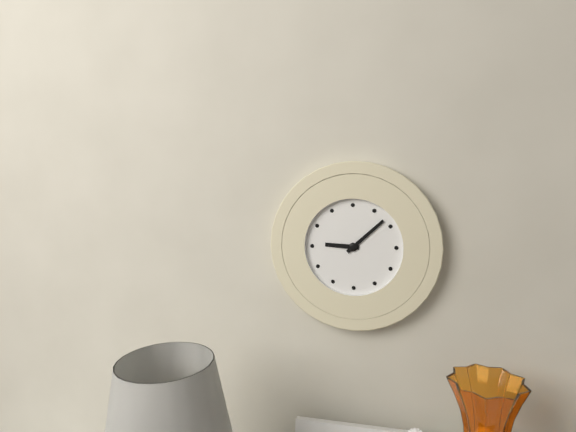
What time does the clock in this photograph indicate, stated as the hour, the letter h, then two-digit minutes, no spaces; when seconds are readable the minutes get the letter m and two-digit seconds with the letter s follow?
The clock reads 9h08
